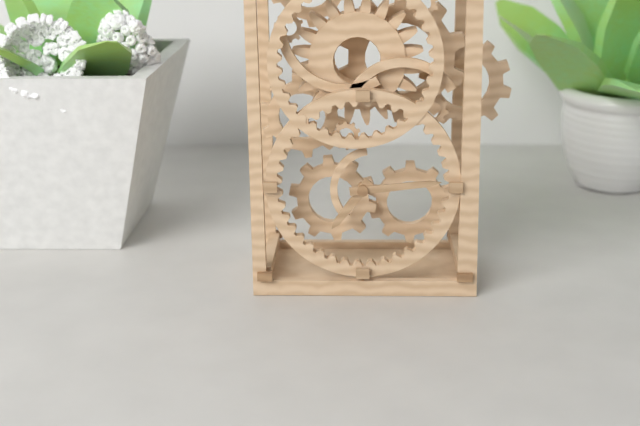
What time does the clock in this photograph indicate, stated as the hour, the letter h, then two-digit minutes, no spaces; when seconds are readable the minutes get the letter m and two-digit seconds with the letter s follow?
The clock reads 7h14
